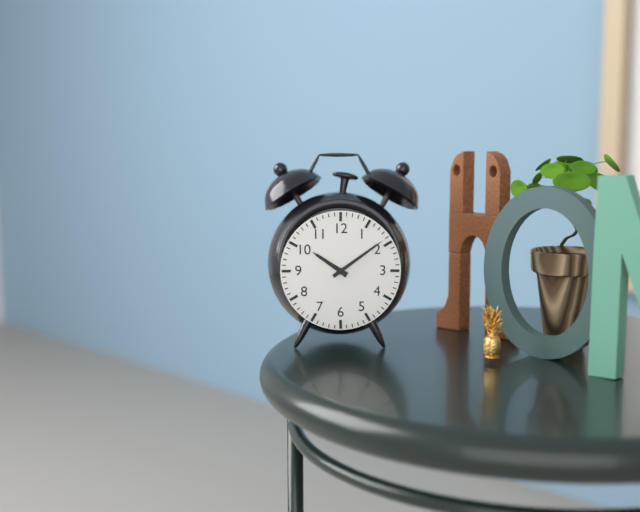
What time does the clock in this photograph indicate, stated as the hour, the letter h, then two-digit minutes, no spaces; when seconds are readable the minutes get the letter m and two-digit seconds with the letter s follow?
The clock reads 10h09
